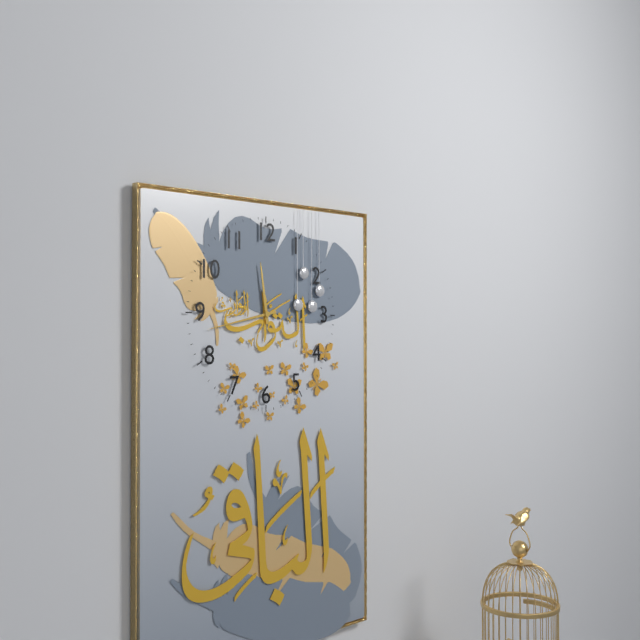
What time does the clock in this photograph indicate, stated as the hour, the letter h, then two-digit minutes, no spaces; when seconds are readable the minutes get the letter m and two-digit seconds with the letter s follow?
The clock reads 11h43
